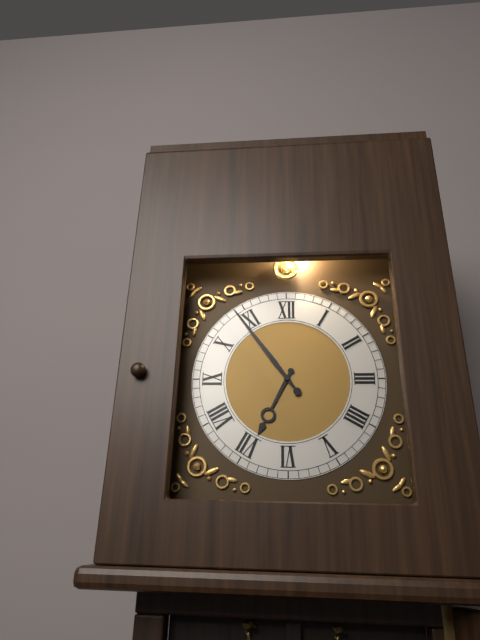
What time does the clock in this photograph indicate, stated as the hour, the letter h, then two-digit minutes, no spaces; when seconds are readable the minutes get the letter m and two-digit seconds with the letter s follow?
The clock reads 6h54
